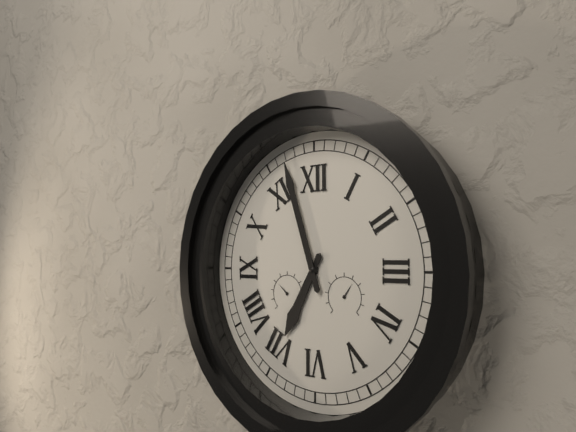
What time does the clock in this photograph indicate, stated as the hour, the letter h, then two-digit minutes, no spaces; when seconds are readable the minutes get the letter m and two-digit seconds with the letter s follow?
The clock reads 6h57
